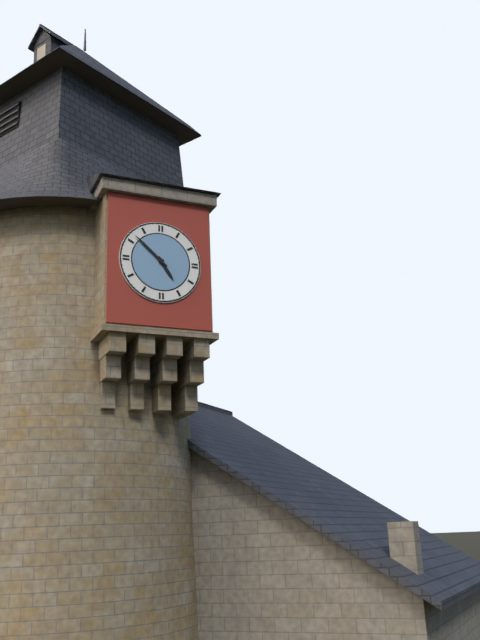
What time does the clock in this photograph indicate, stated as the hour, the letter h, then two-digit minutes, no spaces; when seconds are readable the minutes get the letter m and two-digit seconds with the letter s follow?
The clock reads 4h52
